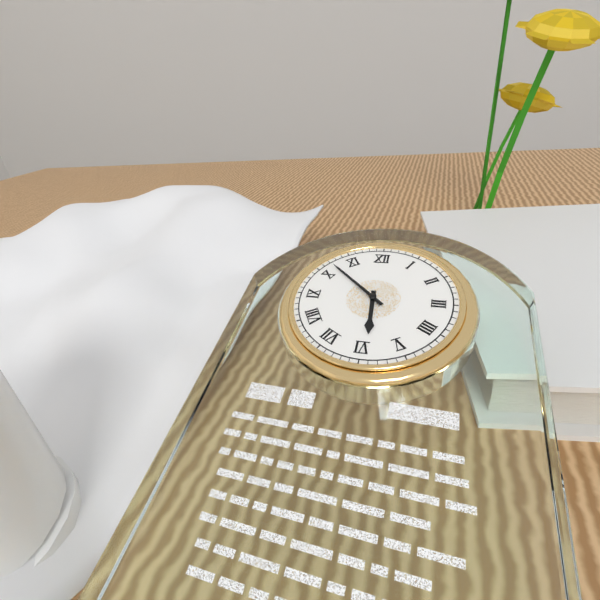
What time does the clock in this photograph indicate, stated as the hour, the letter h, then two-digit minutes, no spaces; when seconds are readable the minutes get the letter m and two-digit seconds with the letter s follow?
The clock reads 5h52
